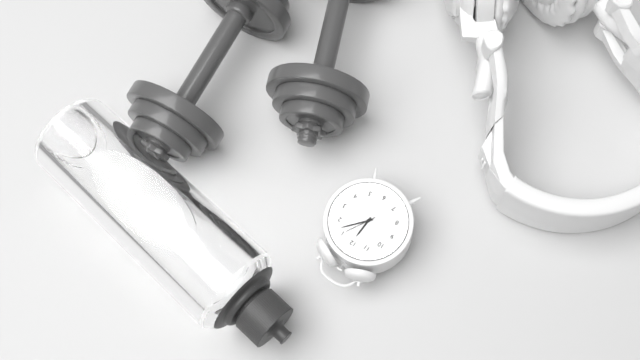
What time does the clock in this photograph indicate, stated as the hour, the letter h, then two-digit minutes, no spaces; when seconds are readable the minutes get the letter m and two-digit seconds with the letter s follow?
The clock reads 12h07
